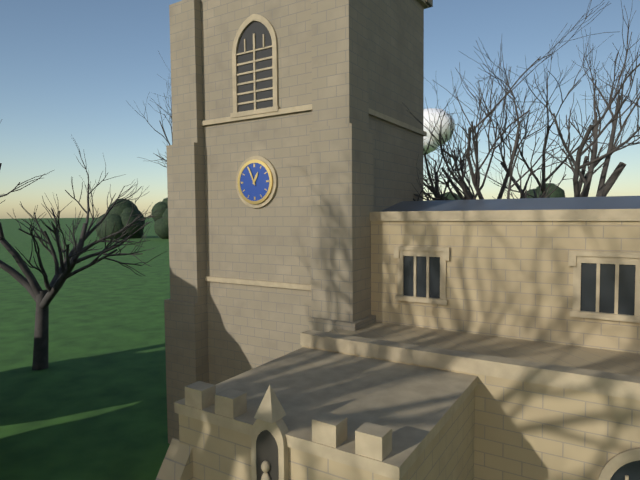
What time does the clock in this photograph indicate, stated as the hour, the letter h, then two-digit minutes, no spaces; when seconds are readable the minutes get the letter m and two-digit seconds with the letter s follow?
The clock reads 12h56
